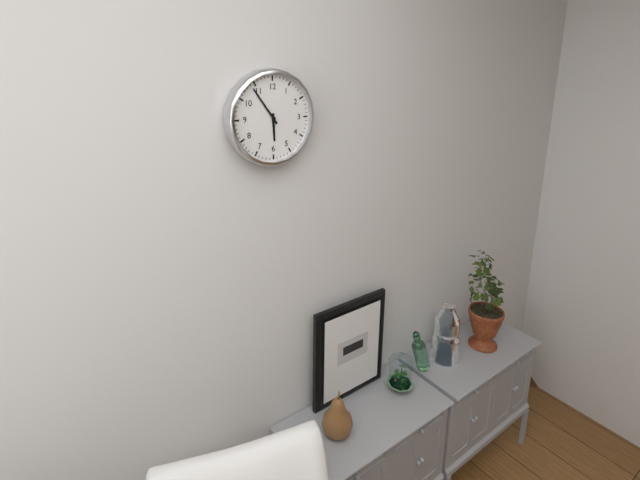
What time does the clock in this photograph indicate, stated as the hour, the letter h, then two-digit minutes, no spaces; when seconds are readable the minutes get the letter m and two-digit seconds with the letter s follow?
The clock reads 5h54
